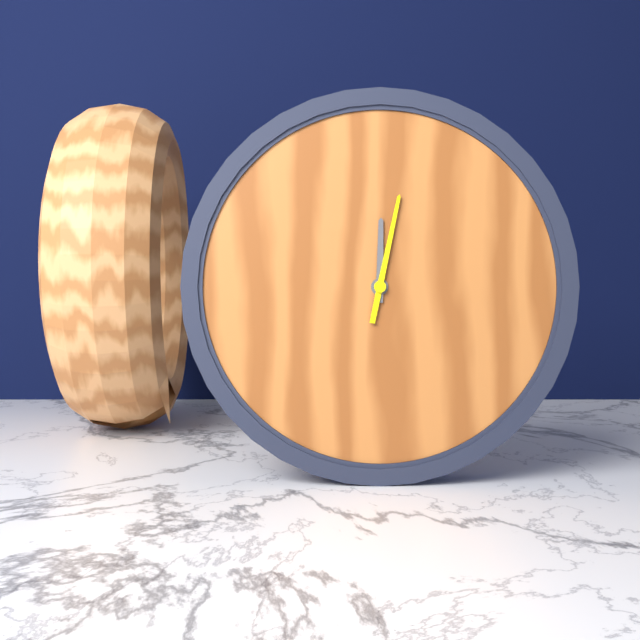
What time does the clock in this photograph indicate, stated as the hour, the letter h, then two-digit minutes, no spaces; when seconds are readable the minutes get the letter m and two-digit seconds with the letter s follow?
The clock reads 12h02
